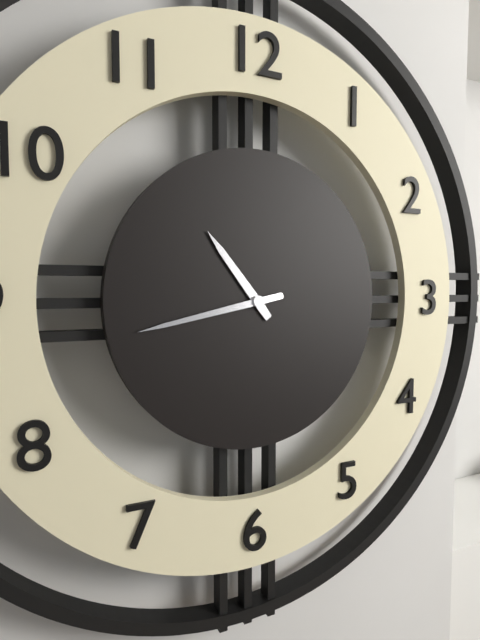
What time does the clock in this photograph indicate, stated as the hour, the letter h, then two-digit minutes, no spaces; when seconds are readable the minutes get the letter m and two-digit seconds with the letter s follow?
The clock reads 10h43
